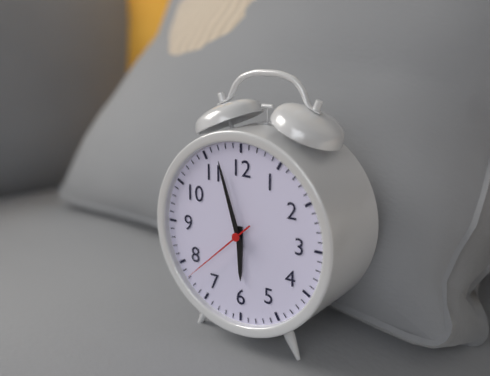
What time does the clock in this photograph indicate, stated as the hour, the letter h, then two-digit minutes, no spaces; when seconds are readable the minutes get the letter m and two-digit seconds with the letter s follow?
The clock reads 5h57m38s
